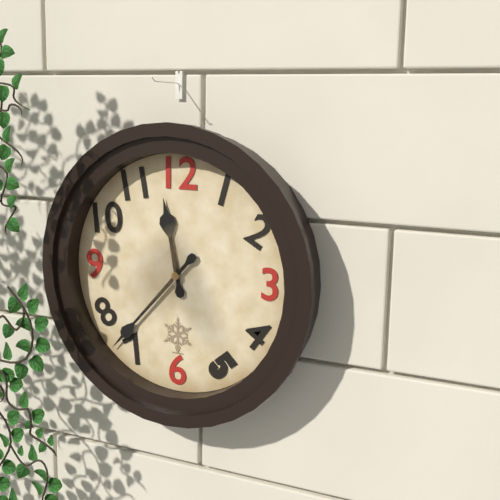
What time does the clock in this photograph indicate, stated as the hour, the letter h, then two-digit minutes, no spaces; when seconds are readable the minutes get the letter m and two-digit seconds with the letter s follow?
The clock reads 11h37
